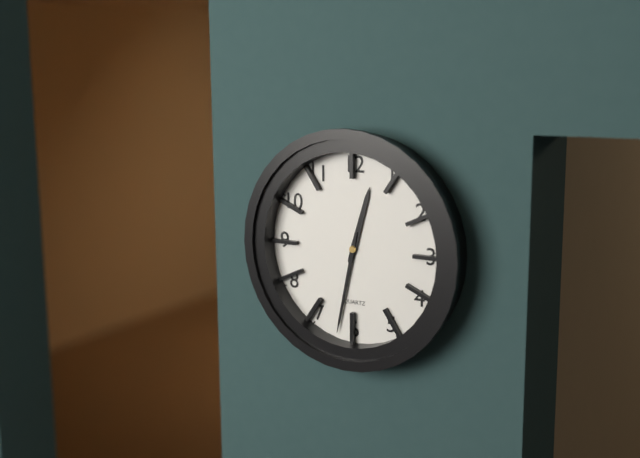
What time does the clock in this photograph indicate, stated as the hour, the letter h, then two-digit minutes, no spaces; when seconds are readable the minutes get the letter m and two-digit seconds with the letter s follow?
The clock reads 12h32
